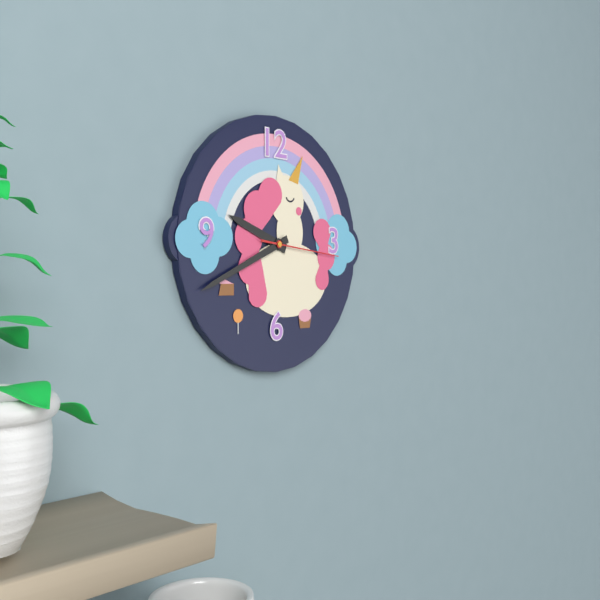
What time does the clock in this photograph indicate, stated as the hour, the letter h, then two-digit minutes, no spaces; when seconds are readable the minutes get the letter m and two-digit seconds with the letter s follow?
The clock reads 9h41m16s
